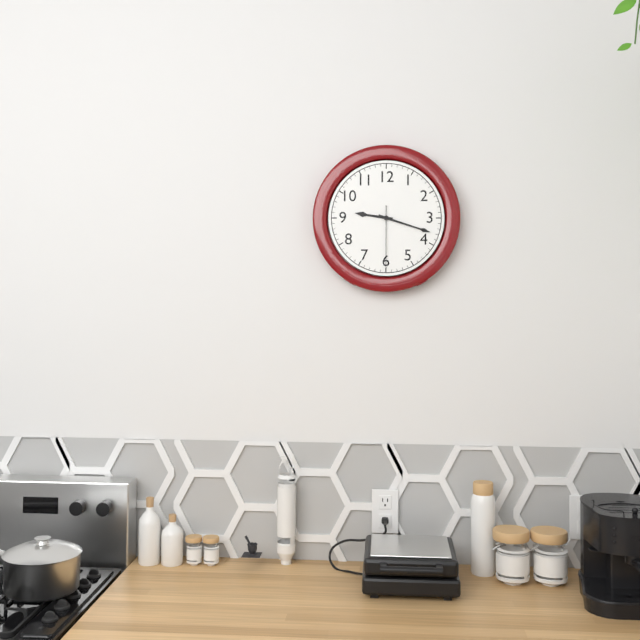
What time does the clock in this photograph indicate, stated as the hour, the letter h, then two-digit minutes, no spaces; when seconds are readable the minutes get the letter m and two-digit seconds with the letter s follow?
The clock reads 9h18m30s
